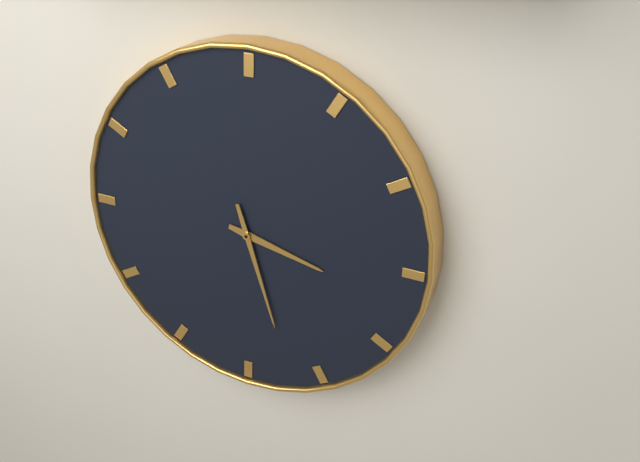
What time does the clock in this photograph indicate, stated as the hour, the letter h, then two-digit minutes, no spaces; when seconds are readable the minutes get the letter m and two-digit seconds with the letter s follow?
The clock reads 3h27
